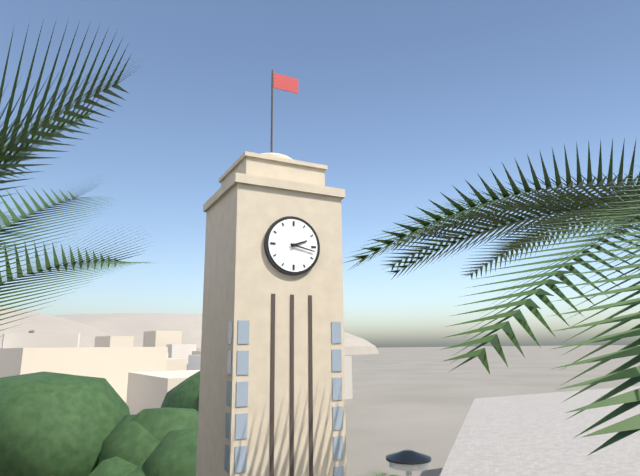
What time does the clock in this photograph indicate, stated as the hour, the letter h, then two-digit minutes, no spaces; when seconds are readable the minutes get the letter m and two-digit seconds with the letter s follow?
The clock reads 2h17
